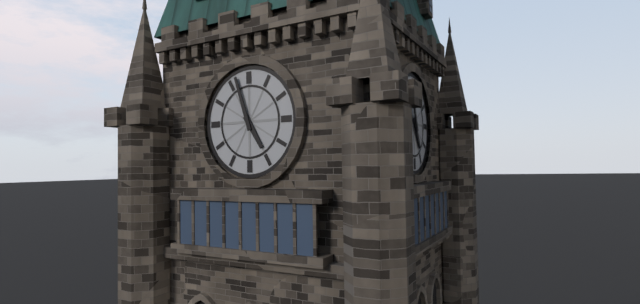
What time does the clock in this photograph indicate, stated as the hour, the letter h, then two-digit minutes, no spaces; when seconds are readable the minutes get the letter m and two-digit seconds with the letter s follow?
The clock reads 4h57
